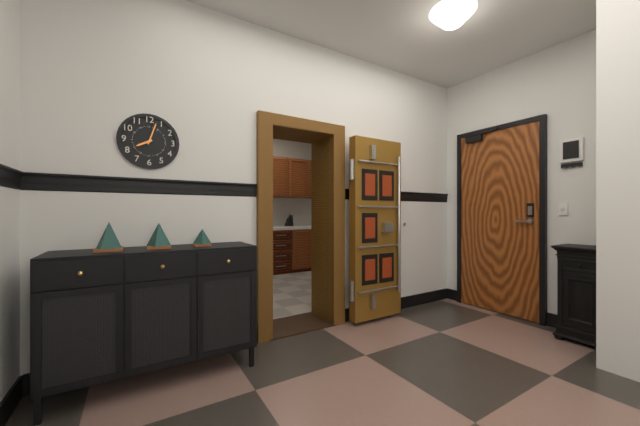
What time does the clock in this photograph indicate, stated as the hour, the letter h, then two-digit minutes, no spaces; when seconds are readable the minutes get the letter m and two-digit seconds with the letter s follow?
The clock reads 8h03
